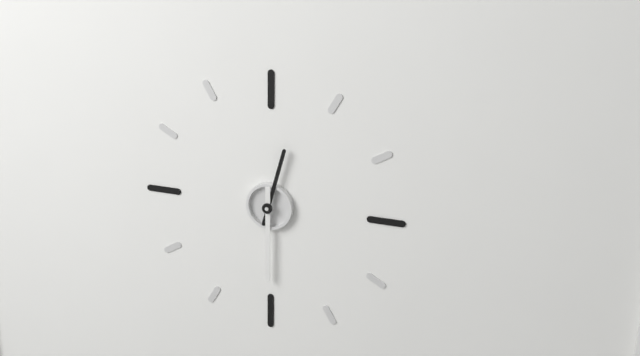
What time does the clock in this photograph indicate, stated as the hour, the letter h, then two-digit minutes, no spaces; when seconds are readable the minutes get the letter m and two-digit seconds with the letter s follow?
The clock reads 12h30
